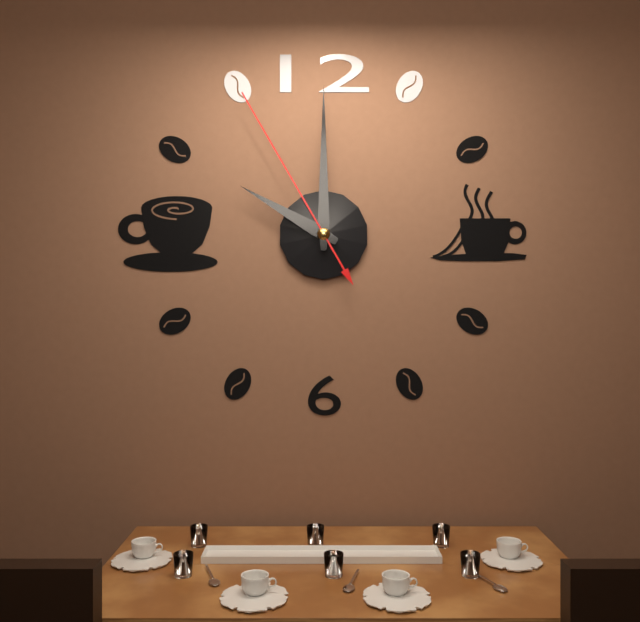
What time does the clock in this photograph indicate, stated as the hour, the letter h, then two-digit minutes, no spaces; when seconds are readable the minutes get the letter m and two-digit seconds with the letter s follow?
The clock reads 10h00m55s
